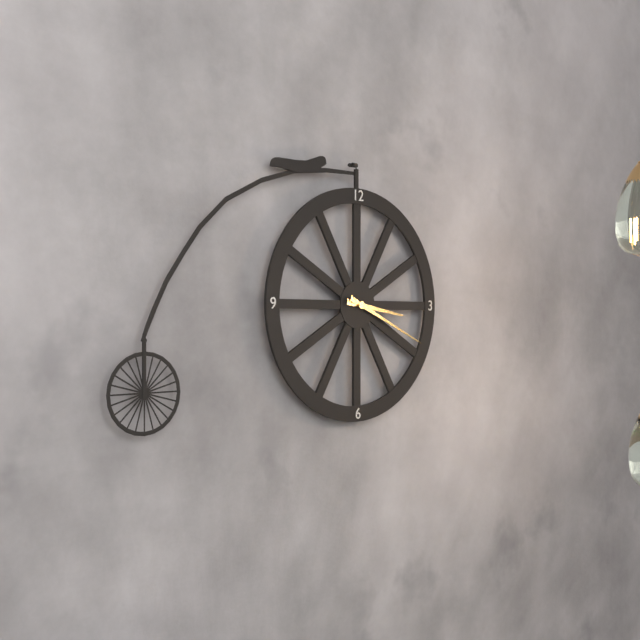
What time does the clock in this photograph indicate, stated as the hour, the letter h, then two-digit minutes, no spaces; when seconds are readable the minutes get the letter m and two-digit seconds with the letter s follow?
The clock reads 3h19
